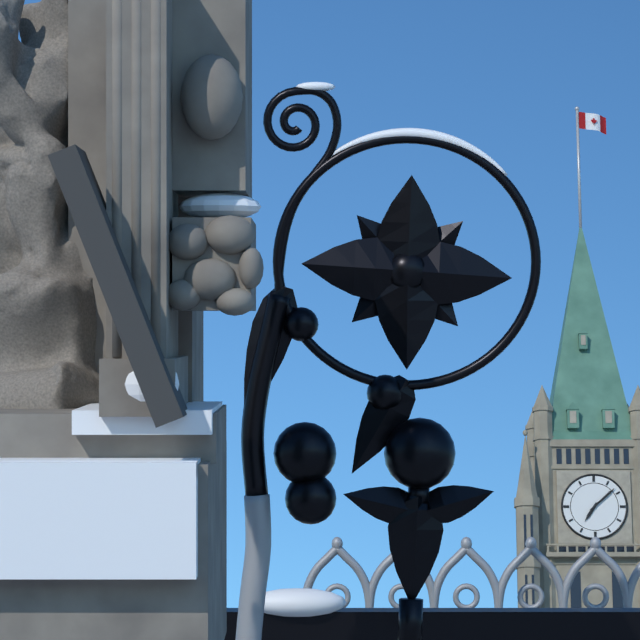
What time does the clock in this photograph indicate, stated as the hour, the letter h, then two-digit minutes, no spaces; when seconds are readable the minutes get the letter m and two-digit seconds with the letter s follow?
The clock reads 7h08
